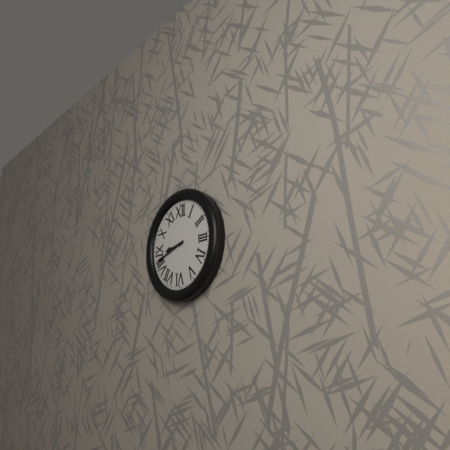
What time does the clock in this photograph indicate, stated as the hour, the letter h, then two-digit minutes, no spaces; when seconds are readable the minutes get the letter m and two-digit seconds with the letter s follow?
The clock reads 8h42
